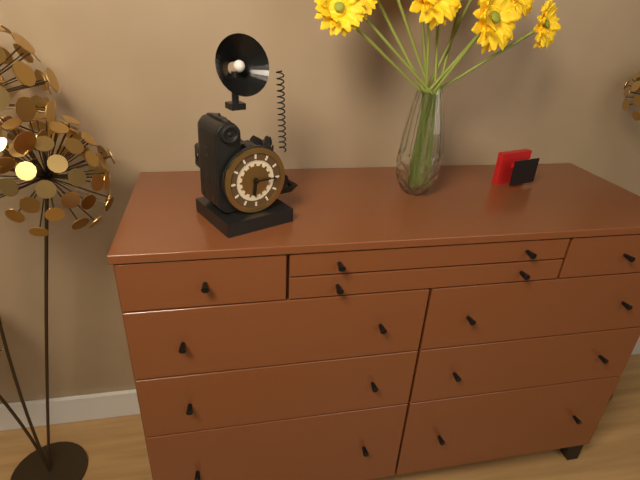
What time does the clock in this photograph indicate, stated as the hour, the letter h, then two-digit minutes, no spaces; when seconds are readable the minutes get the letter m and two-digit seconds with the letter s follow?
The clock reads 6h15
